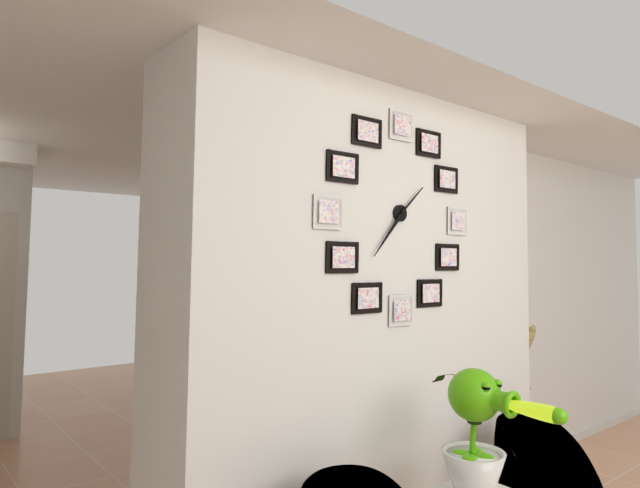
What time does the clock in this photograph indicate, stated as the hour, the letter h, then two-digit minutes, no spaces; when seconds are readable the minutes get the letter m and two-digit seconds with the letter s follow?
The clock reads 1h37
